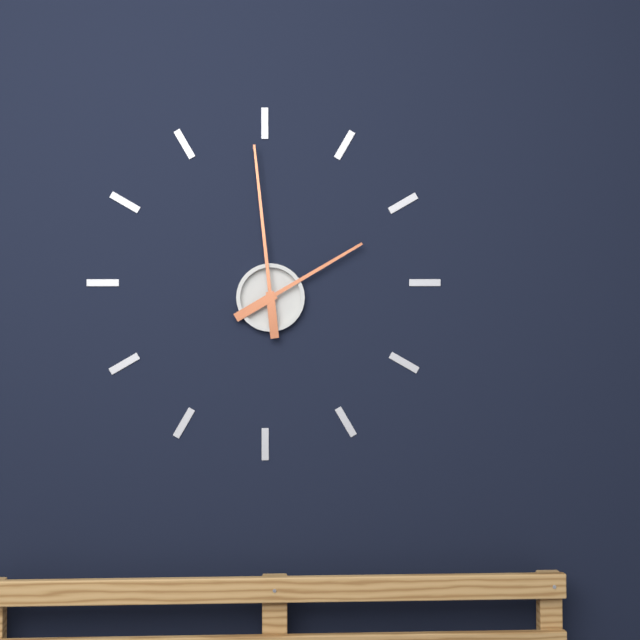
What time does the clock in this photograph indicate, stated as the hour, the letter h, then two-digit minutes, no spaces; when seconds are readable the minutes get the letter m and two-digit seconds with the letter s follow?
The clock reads 1h59
